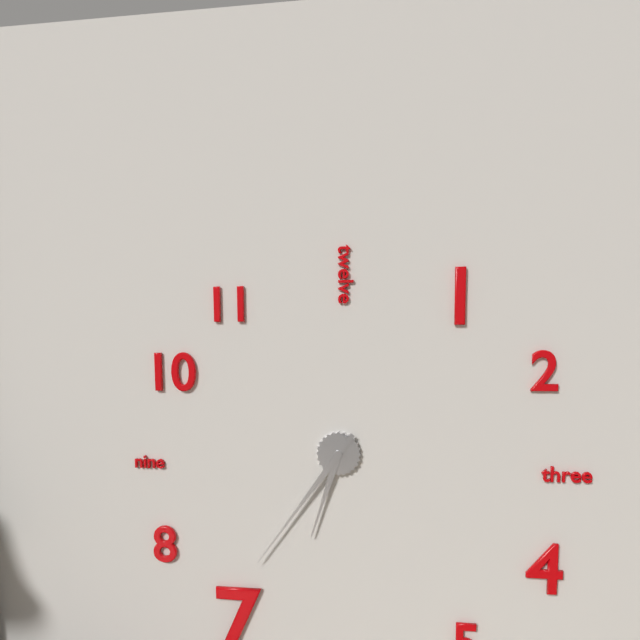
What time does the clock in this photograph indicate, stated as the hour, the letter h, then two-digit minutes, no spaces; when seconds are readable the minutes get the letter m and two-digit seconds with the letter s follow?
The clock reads 6h36
